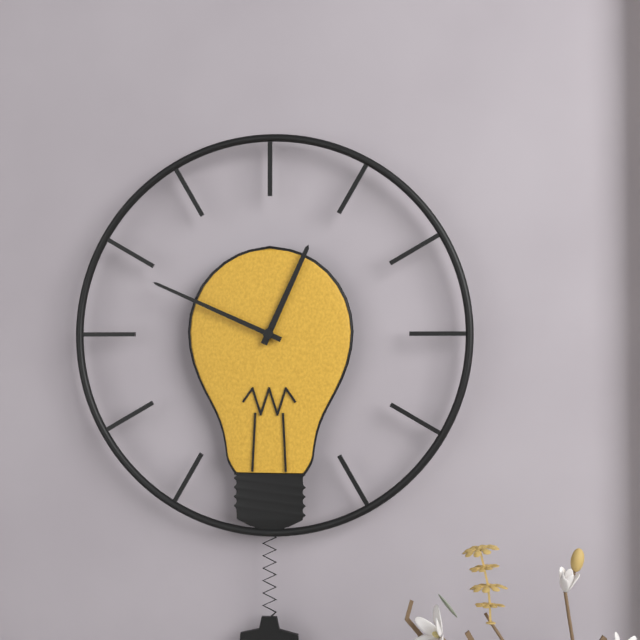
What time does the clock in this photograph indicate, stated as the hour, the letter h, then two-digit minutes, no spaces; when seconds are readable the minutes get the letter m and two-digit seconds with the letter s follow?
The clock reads 12h49
